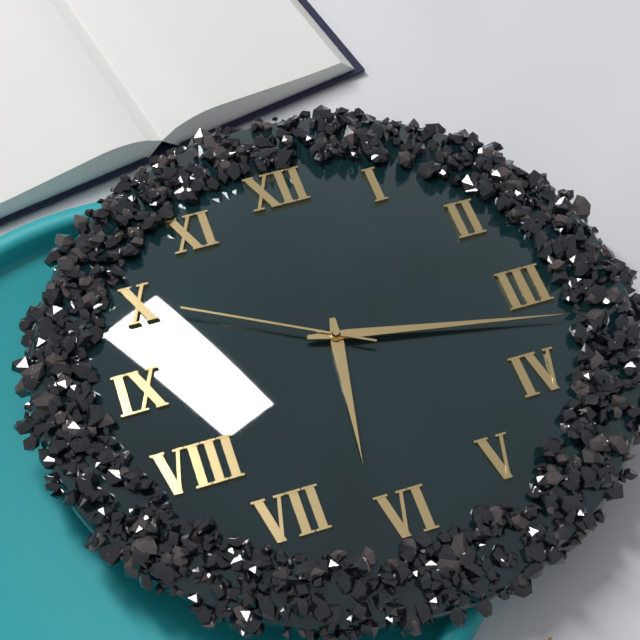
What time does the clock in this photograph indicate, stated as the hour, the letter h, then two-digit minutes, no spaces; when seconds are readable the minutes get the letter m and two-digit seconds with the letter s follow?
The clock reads 6h17m50s
